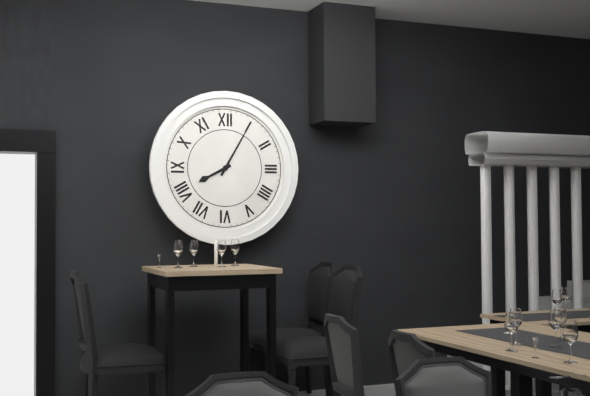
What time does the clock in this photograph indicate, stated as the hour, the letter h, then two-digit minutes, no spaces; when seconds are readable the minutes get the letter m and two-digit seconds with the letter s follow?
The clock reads 8h05
